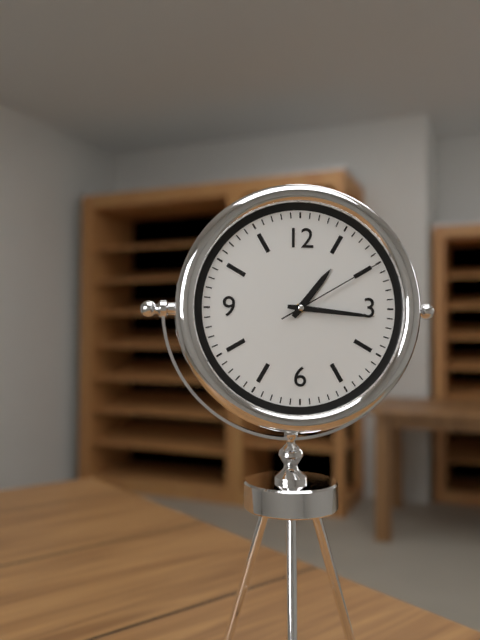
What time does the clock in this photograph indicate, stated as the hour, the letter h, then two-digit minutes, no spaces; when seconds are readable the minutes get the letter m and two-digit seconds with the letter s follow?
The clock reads 1h16m10s
